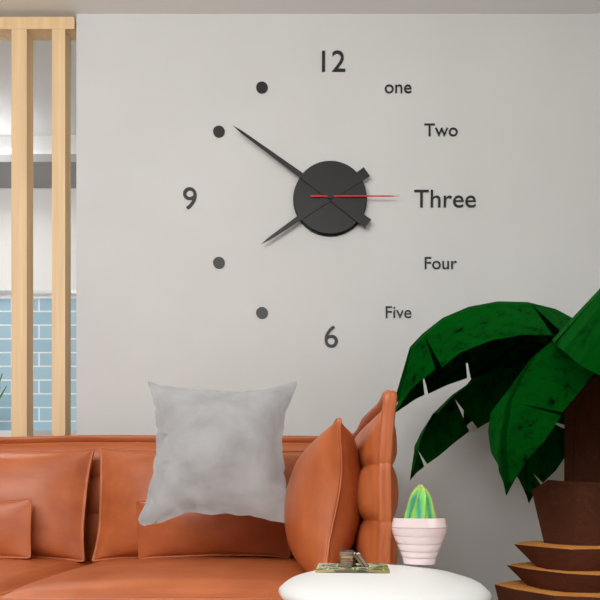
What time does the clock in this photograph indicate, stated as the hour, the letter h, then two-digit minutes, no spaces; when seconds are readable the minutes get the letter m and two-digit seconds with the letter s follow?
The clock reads 7h51m15s
